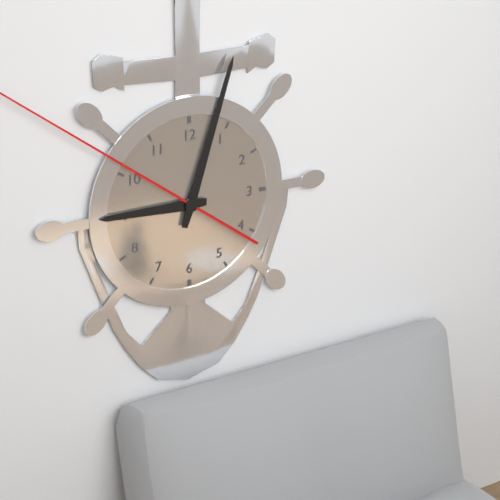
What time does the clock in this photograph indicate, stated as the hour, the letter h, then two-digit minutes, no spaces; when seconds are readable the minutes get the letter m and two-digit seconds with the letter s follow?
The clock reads 9h03
